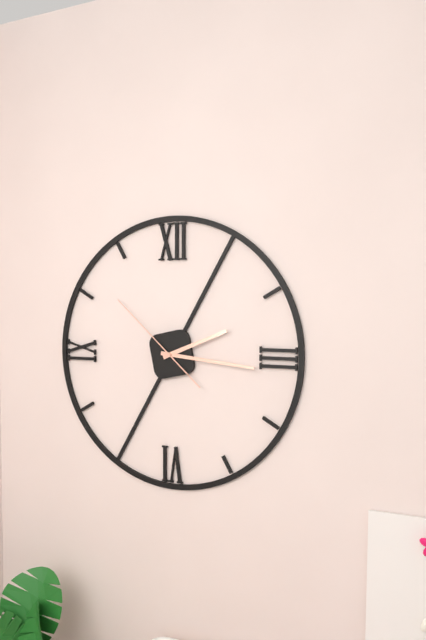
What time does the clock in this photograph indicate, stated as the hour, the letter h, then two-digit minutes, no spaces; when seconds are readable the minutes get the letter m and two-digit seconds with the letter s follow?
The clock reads 2h16m52s
